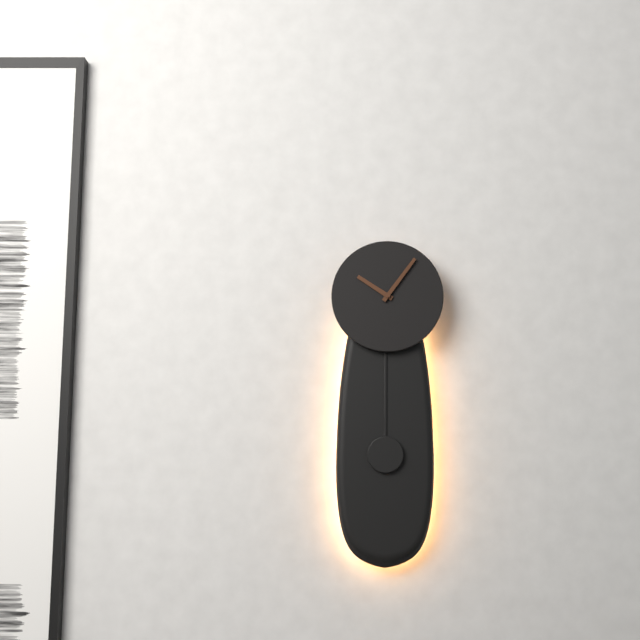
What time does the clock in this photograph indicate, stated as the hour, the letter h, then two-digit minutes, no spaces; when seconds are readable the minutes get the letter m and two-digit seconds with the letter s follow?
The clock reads 10h06
